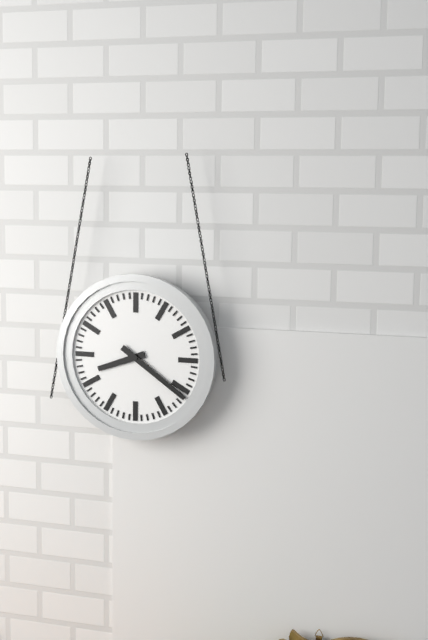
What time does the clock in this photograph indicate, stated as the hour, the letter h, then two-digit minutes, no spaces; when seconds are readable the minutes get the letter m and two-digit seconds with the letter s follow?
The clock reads 8h21
